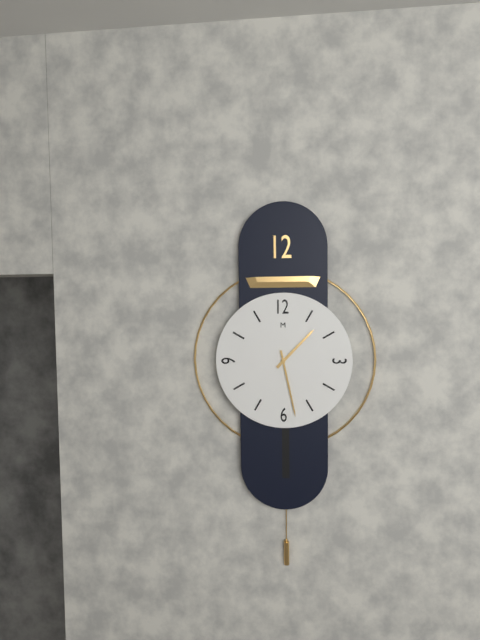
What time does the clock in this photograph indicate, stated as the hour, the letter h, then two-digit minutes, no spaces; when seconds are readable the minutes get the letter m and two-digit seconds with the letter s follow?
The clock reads 1h28
